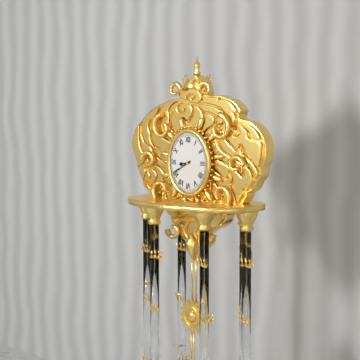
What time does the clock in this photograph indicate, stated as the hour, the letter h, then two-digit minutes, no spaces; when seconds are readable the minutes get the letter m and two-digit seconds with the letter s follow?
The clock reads 8h40
